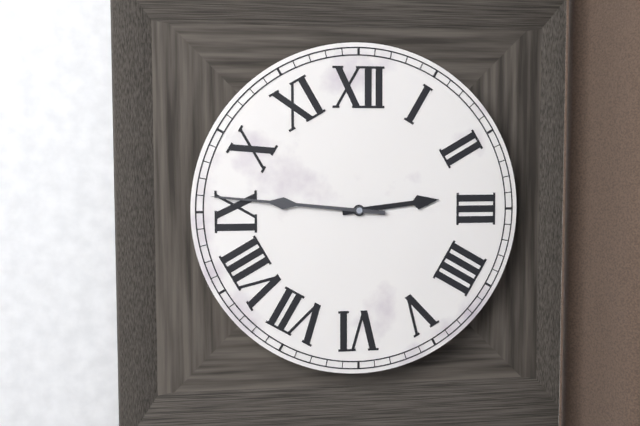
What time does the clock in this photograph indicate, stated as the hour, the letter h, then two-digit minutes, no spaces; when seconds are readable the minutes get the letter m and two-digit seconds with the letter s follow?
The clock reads 2h46
